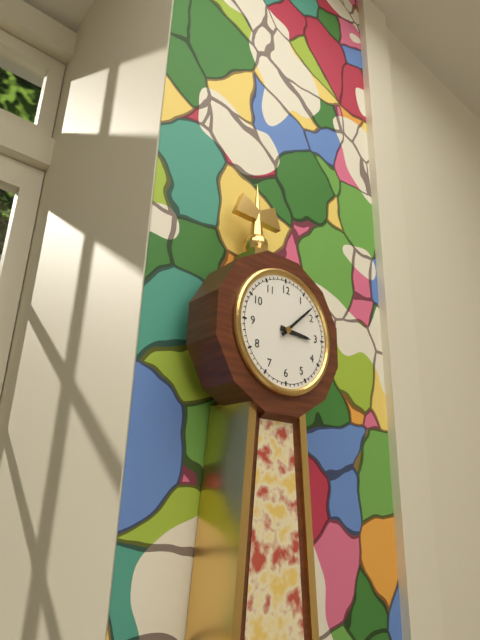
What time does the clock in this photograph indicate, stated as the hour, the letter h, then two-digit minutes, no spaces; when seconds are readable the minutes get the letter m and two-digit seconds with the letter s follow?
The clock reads 3h08
